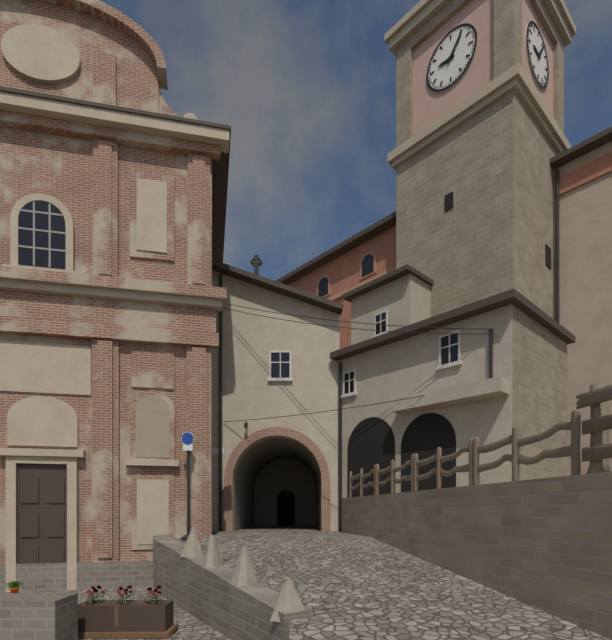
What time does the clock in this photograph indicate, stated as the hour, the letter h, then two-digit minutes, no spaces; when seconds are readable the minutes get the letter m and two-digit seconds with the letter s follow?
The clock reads 9h06
